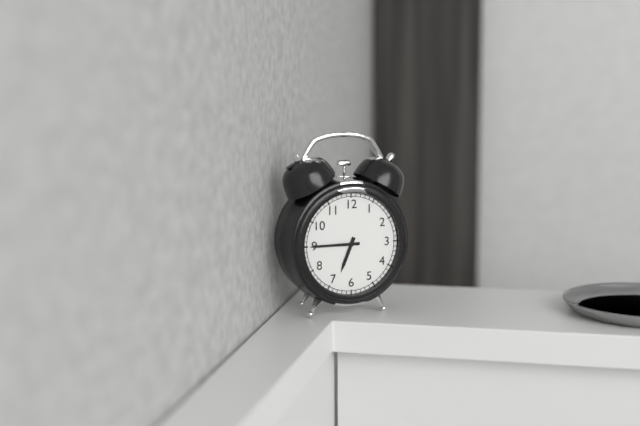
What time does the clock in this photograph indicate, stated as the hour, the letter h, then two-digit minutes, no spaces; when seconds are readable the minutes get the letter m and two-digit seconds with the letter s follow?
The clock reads 6h45
